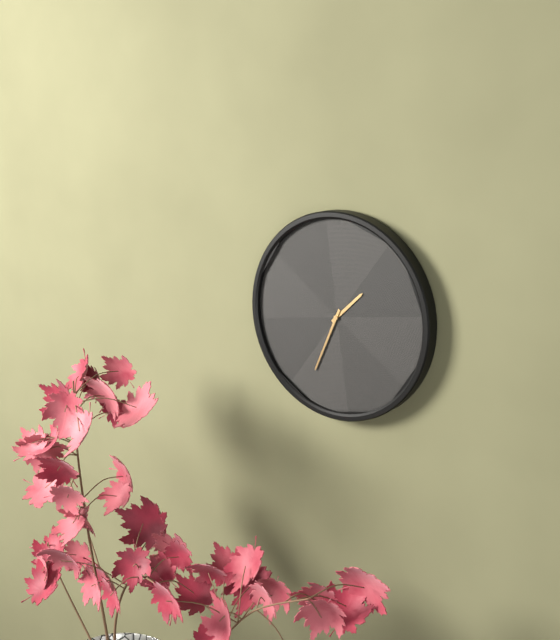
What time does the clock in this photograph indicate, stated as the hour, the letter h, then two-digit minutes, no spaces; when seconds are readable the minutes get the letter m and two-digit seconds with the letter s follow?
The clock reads 1h34
